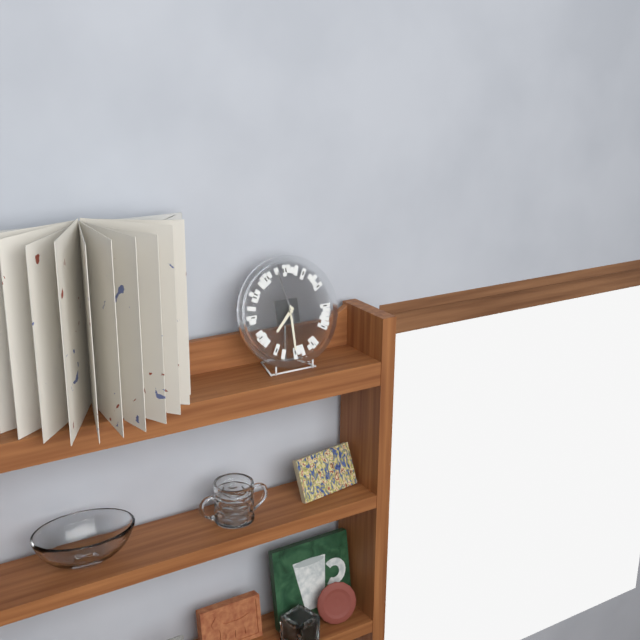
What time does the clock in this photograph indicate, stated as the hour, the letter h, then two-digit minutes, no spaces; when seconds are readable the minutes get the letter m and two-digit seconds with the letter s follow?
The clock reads 7h30m58s
